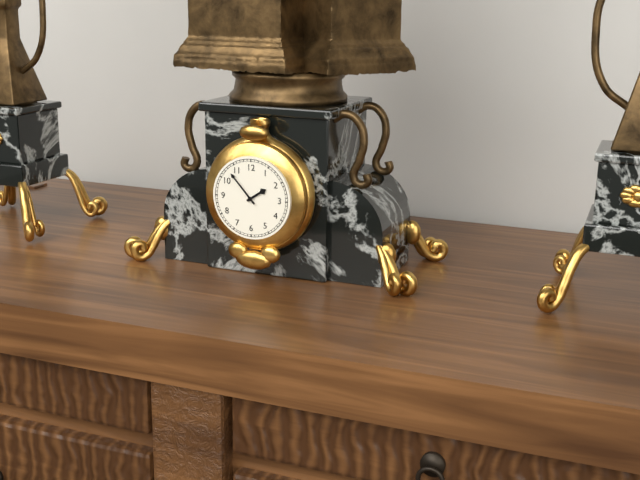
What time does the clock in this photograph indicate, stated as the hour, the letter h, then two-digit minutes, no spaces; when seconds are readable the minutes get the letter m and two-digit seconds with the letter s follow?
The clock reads 1h53
